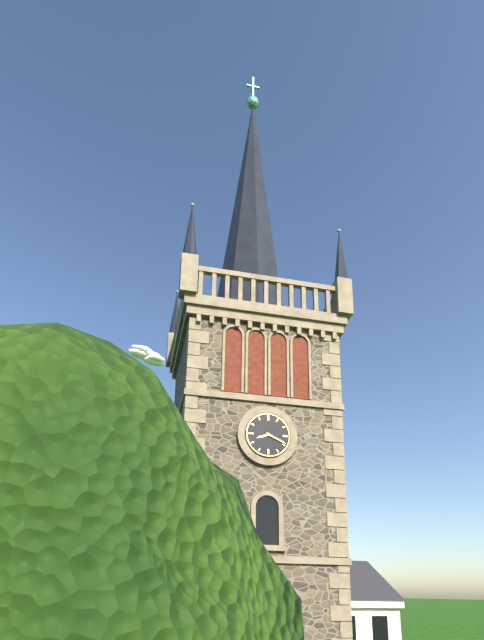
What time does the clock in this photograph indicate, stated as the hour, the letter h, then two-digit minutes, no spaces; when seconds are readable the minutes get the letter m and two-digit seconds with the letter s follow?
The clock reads 8h19
